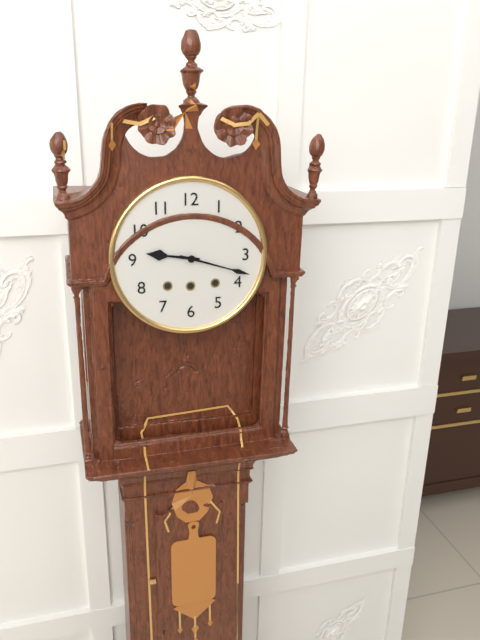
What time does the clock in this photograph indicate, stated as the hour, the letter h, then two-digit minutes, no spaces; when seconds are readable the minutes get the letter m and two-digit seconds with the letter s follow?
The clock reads 9h18
